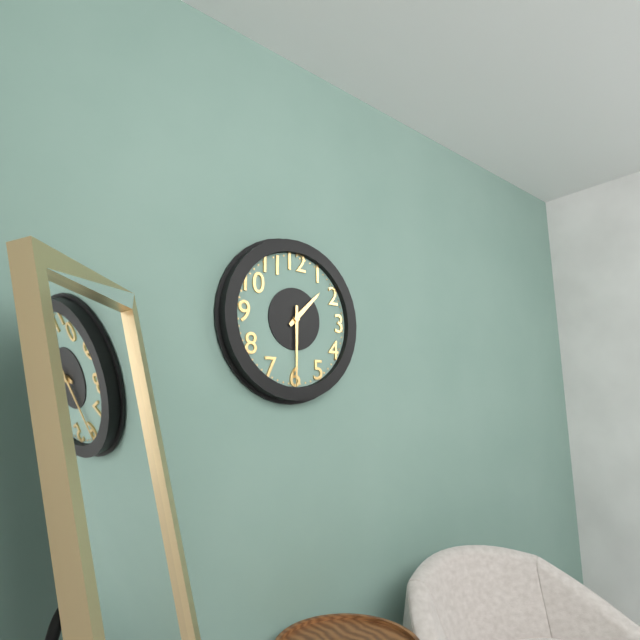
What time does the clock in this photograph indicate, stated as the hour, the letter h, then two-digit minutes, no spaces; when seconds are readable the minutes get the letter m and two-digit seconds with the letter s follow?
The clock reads 1h30
